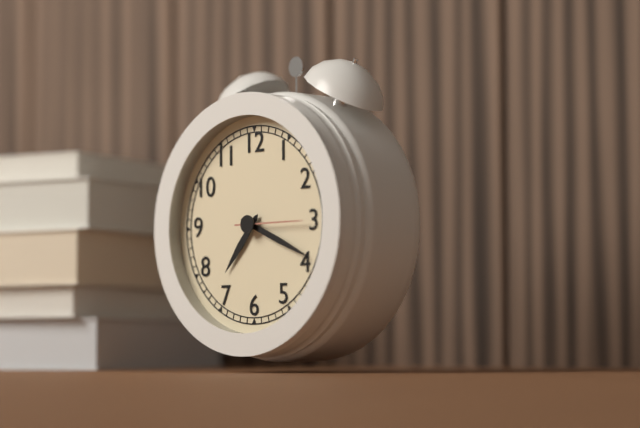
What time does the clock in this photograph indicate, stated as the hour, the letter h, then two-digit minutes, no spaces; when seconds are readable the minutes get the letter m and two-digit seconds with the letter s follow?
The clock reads 7h19m15s
